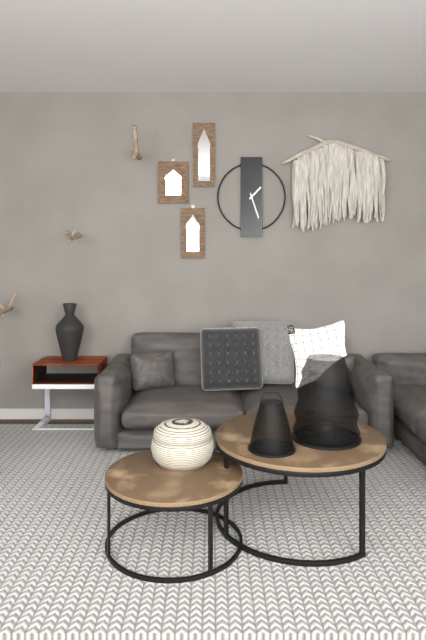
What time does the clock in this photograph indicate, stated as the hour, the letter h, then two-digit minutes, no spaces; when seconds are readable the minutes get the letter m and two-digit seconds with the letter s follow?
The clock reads 1h27
